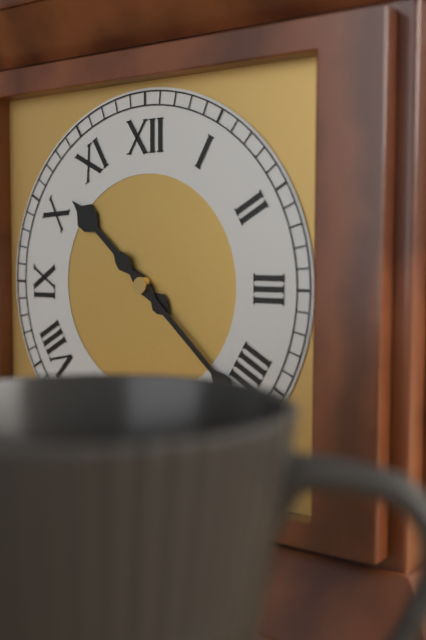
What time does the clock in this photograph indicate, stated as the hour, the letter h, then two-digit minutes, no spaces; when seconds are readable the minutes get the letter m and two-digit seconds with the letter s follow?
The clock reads 10h22
